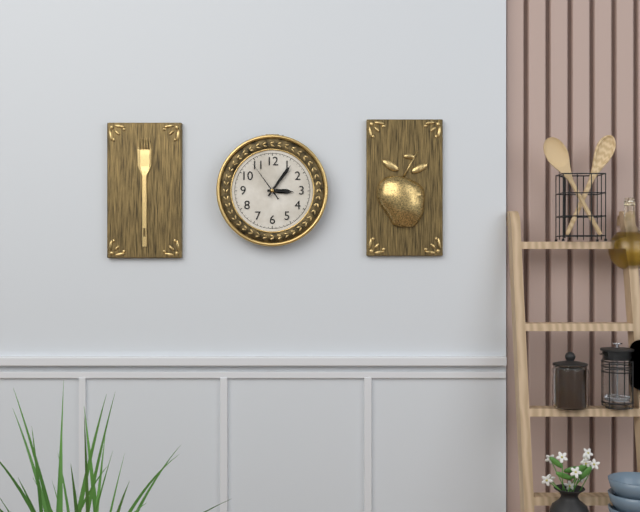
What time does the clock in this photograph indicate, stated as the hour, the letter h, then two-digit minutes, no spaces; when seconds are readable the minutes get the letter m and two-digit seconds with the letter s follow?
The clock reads 3h06
